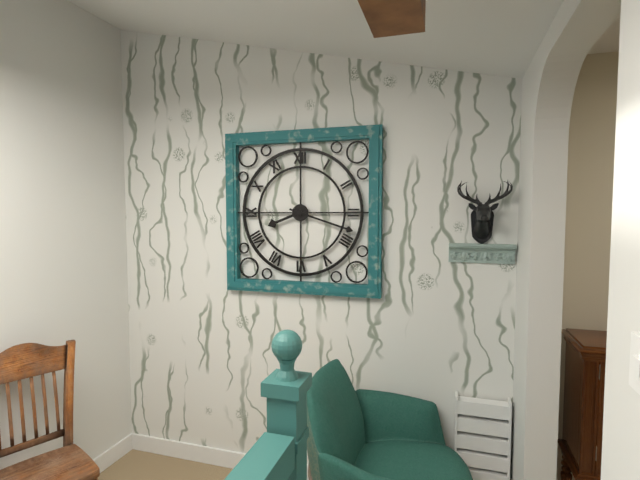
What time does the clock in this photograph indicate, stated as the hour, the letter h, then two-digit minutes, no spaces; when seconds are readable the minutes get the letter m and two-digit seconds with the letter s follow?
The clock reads 8h18
